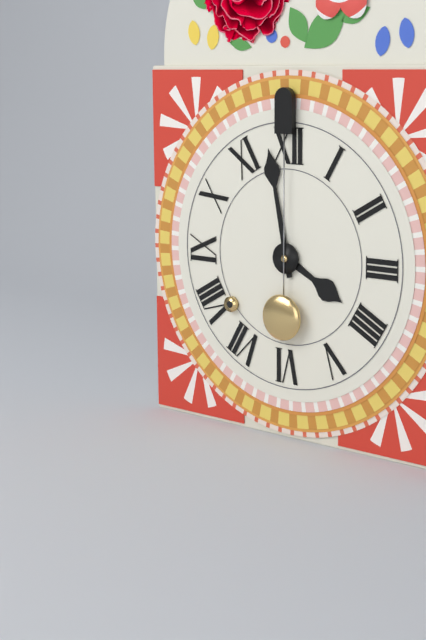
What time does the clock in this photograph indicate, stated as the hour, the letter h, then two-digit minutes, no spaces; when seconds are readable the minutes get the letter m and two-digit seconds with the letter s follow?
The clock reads 3h58
